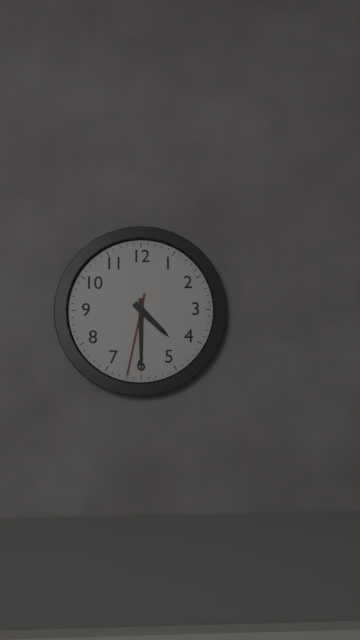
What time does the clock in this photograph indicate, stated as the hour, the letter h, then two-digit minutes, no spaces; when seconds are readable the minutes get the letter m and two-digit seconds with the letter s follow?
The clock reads 4h30m32s
